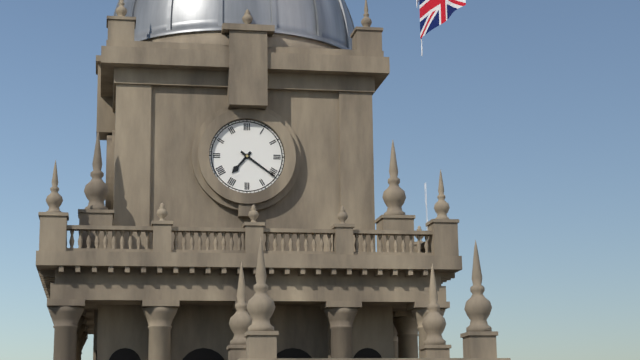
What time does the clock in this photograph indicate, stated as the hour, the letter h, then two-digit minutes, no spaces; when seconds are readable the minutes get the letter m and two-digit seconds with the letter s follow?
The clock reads 7h21
